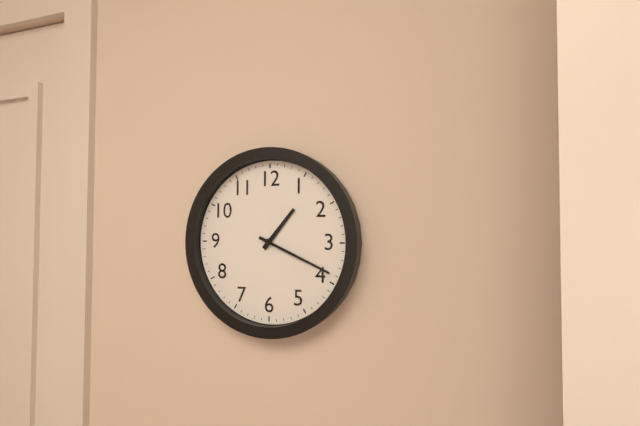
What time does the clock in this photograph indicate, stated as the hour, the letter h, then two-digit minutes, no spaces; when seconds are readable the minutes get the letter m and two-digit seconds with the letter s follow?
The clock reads 1h19
